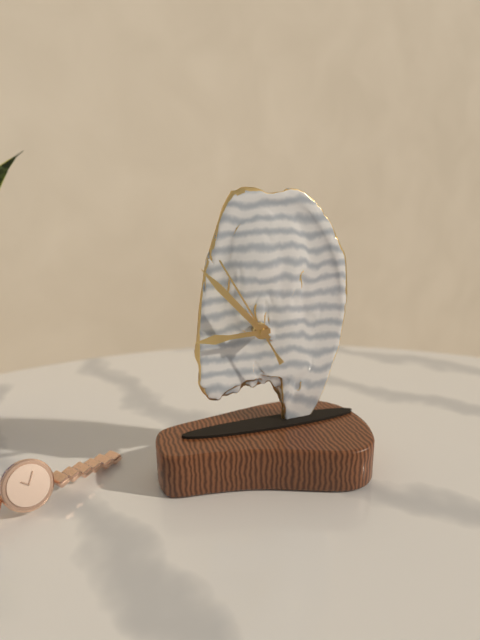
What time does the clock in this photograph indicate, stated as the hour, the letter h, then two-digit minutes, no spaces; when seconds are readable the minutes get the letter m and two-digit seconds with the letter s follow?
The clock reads 8h53m55s
